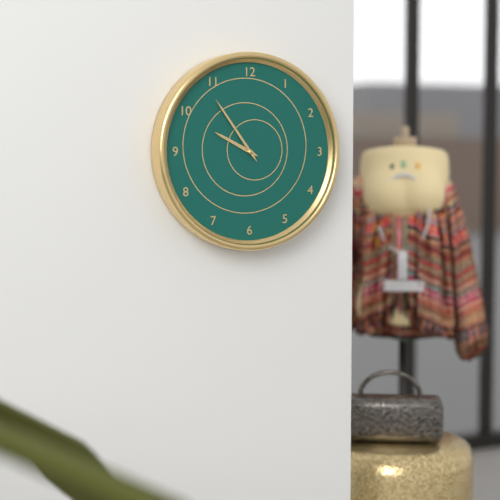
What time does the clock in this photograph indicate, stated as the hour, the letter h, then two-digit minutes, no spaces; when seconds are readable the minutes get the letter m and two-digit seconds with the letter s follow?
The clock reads 9h54
